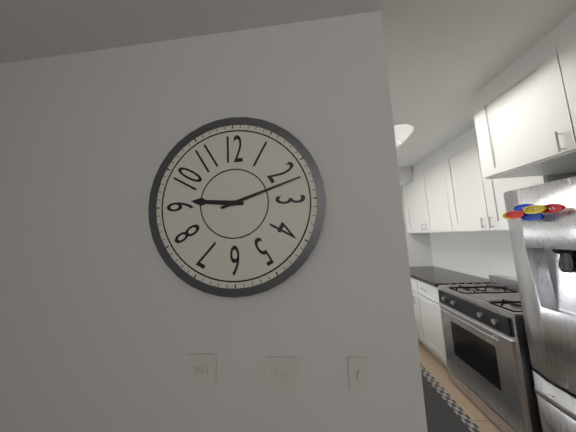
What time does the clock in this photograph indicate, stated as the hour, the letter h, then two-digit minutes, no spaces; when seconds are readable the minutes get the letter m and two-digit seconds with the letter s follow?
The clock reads 9h12
